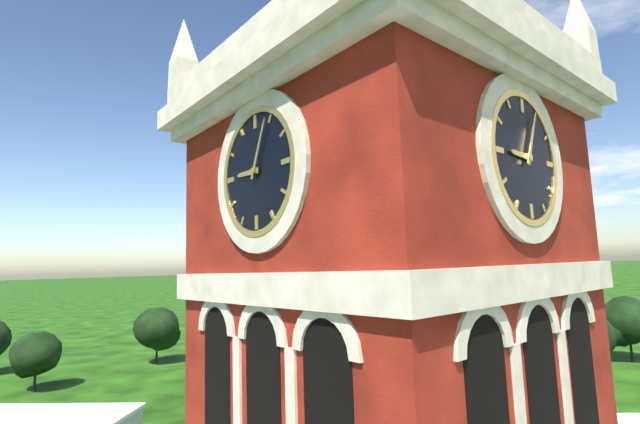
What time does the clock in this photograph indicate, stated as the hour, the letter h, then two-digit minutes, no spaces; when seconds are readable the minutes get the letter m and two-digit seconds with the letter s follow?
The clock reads 9h04
